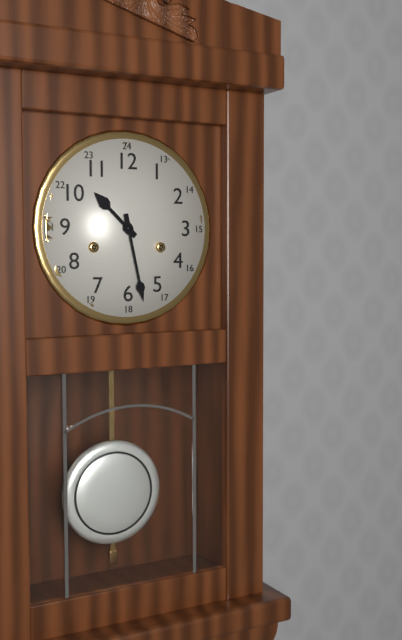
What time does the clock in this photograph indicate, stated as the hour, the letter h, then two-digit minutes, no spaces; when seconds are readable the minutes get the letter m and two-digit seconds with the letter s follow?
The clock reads 10h28
